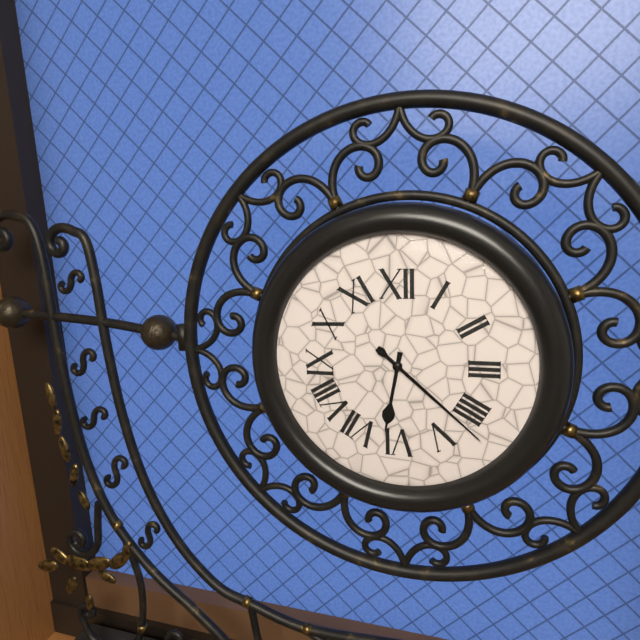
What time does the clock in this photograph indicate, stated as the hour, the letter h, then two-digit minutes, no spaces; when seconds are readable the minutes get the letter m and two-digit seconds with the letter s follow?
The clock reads 6h22
